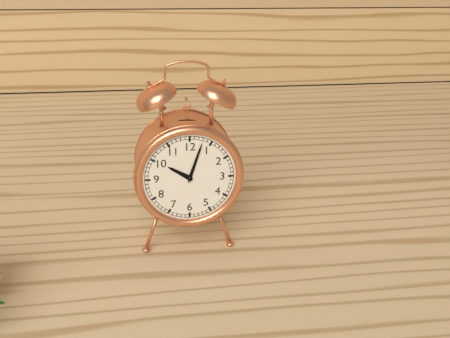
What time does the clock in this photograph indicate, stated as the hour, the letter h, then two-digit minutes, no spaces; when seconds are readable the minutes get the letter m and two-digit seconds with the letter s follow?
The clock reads 10h03
